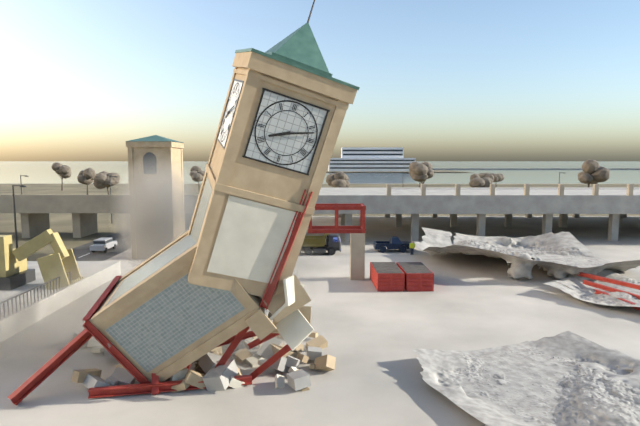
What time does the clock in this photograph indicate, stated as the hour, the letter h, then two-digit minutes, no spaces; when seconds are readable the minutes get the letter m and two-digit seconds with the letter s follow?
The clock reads 8h12
